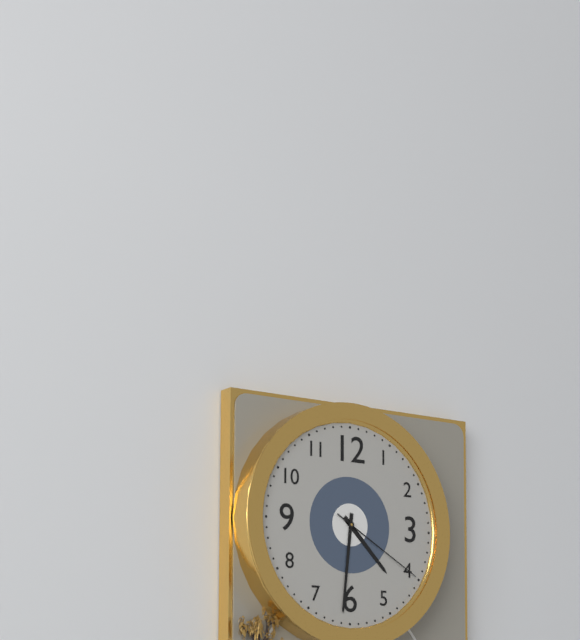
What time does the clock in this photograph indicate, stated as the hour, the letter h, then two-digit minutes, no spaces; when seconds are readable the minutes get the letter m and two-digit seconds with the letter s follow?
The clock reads 4h31m20s
